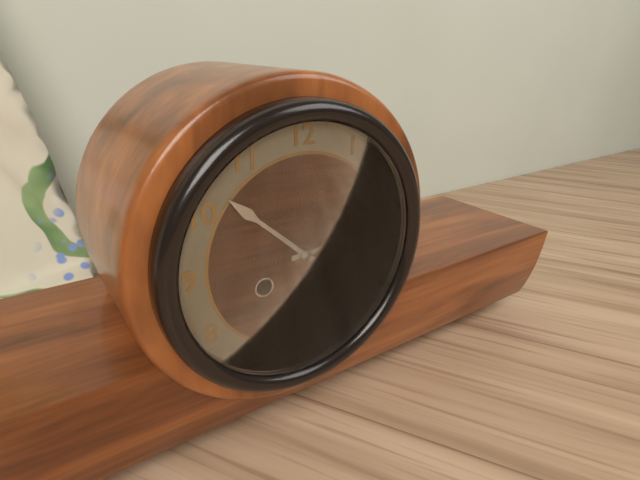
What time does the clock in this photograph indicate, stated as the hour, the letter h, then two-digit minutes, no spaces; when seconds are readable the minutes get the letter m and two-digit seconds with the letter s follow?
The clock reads 2h52
